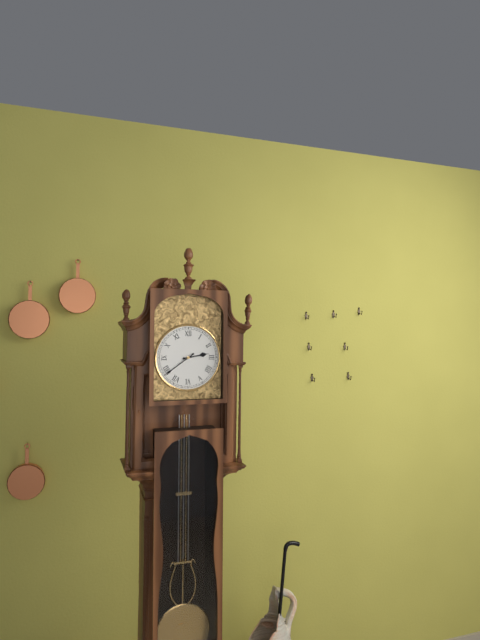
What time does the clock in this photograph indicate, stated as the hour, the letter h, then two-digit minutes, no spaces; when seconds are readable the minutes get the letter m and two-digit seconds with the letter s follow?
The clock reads 2h39
